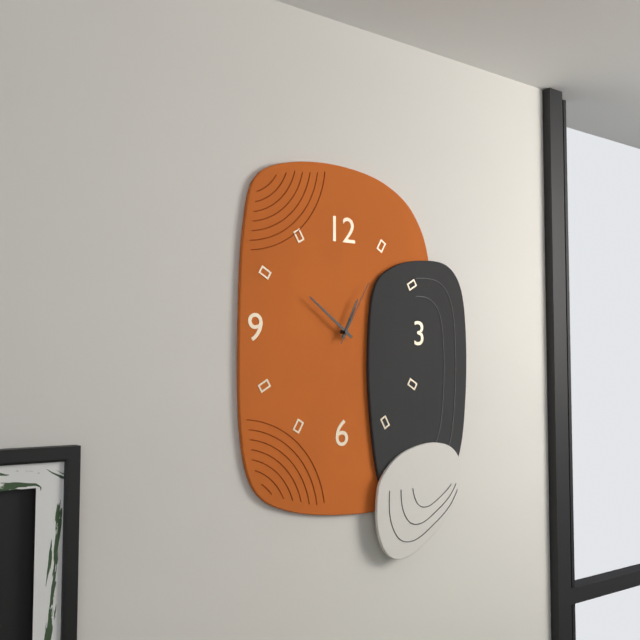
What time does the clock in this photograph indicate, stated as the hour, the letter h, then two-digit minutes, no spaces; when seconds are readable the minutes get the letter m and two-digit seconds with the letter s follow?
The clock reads 12h51m05s
